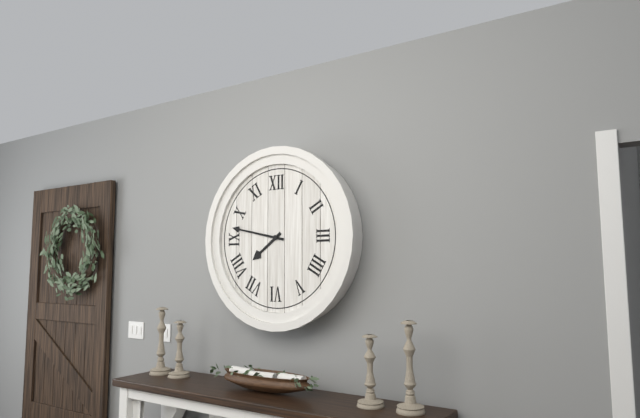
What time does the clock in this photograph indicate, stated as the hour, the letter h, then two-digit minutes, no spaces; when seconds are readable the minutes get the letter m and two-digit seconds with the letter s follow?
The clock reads 7h47
